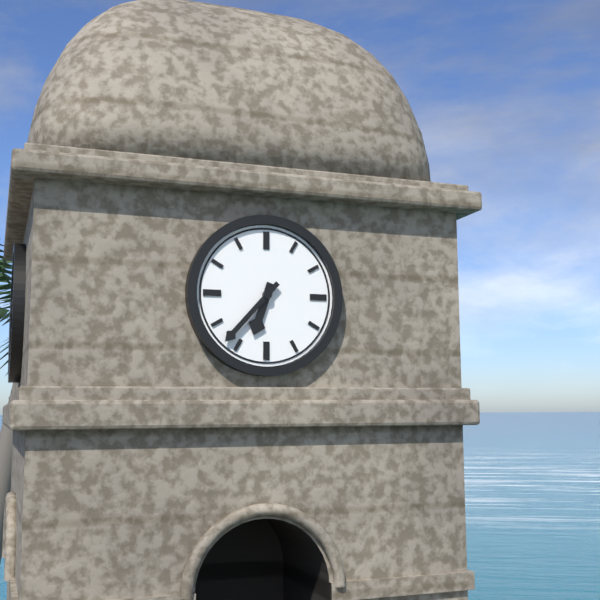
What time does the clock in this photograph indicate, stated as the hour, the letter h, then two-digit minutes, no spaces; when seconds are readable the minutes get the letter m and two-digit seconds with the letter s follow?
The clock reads 6h37
